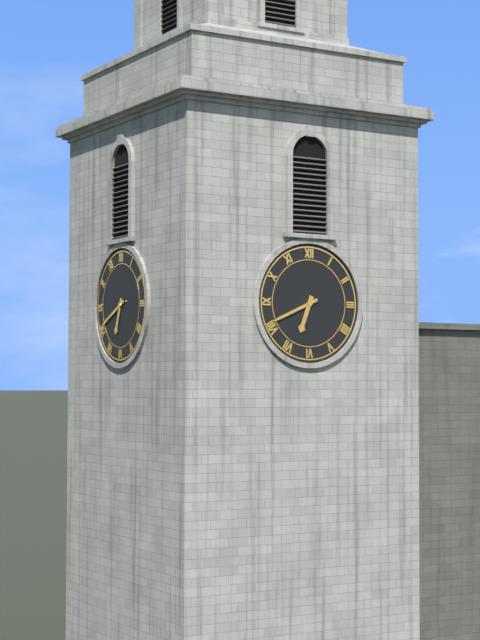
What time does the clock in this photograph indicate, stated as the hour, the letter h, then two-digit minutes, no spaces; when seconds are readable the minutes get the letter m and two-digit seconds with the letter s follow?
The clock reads 6h41
